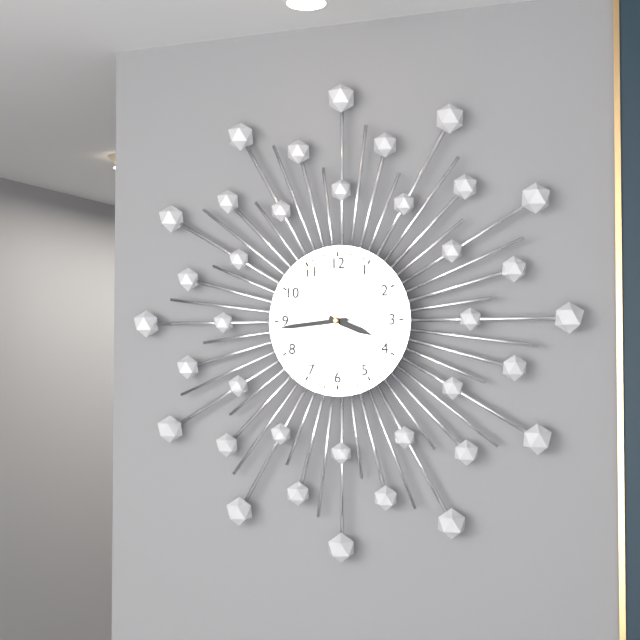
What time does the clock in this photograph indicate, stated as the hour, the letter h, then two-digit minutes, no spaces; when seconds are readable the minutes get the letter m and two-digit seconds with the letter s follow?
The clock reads 3h44m55s
